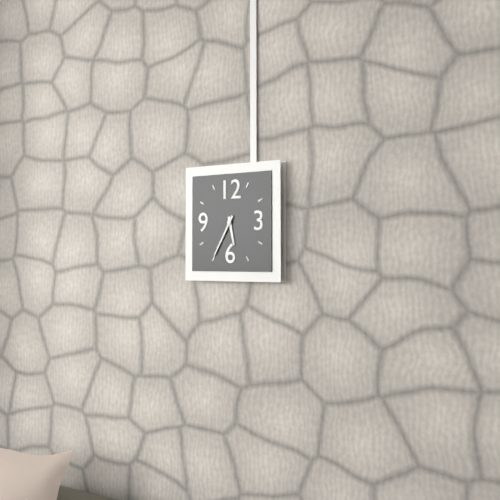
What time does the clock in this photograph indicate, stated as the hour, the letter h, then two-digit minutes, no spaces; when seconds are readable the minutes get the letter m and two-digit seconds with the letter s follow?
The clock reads 5h35
